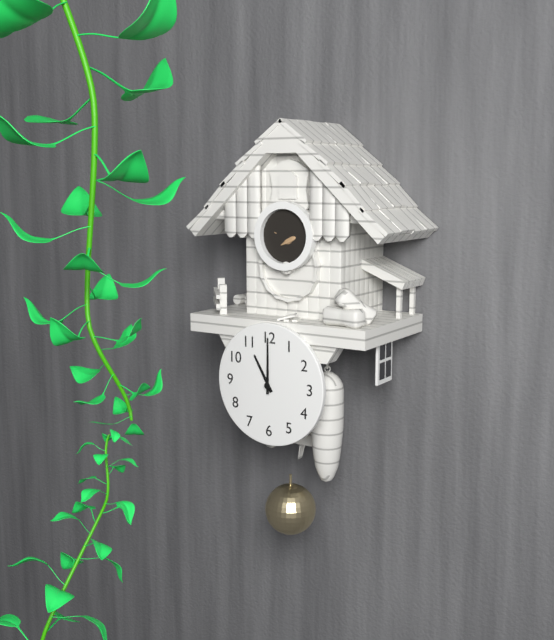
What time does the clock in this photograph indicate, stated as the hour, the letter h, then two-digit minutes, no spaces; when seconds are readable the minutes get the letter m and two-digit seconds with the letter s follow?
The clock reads 11h00
